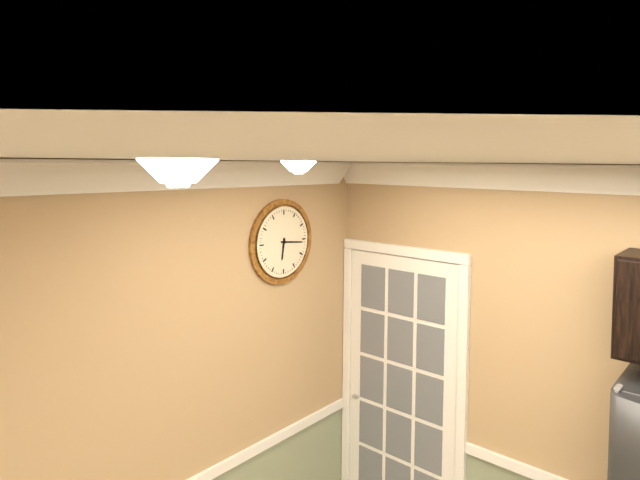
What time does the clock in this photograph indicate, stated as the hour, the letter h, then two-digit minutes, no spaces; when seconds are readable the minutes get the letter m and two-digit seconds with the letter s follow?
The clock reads 6h16
